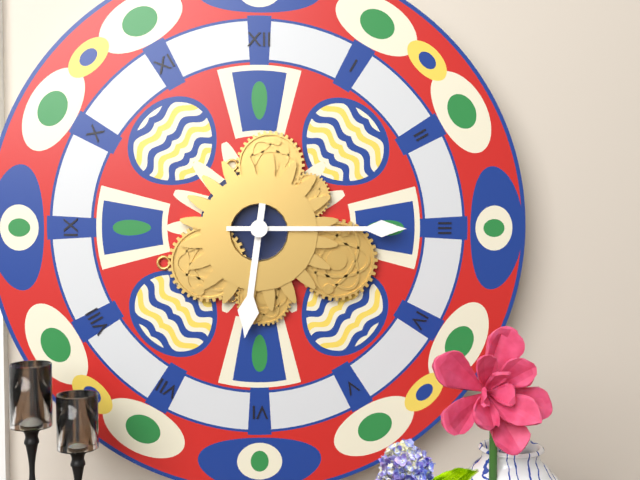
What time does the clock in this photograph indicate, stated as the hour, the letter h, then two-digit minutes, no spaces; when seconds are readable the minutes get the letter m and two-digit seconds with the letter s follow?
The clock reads 6h15
